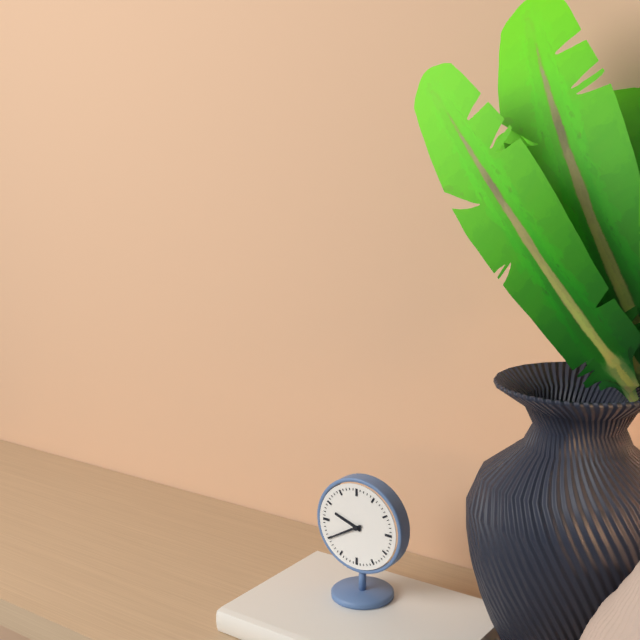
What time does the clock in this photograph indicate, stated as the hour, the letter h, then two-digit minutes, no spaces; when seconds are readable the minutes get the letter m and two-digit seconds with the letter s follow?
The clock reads 9h40
